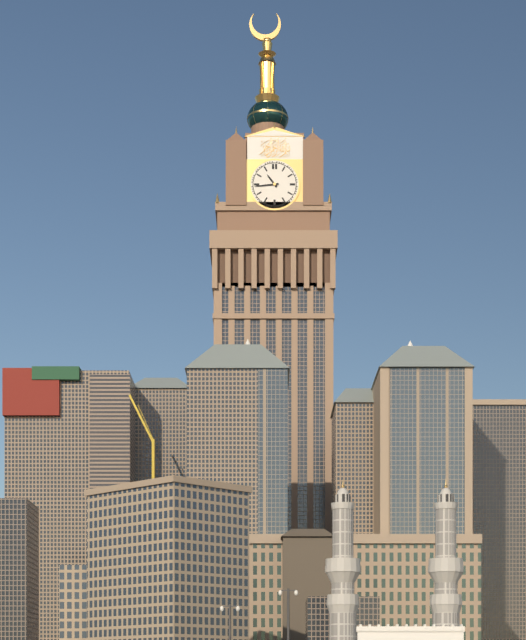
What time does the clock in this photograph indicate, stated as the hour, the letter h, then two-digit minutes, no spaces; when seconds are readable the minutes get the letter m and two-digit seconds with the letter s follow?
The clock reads 10h44
